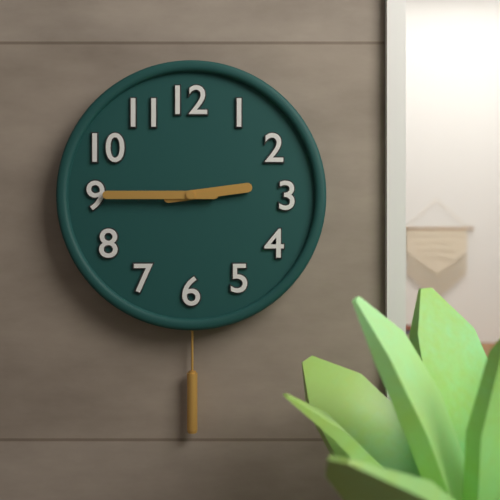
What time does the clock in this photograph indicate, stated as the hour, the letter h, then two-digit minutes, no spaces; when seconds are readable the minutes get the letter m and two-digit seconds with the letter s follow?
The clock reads 2h45
